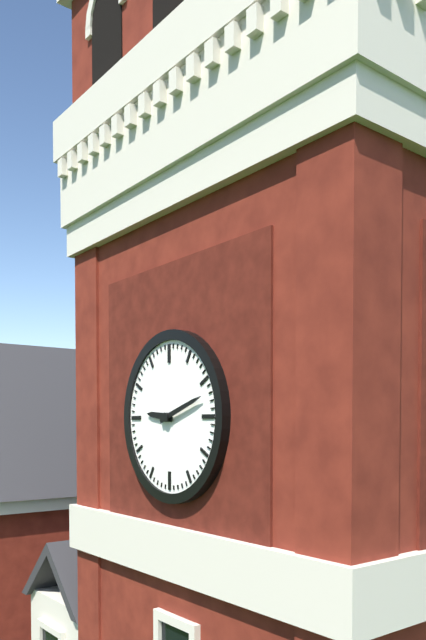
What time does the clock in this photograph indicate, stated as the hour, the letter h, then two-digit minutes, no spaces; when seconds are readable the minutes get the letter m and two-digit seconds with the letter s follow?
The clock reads 9h12
